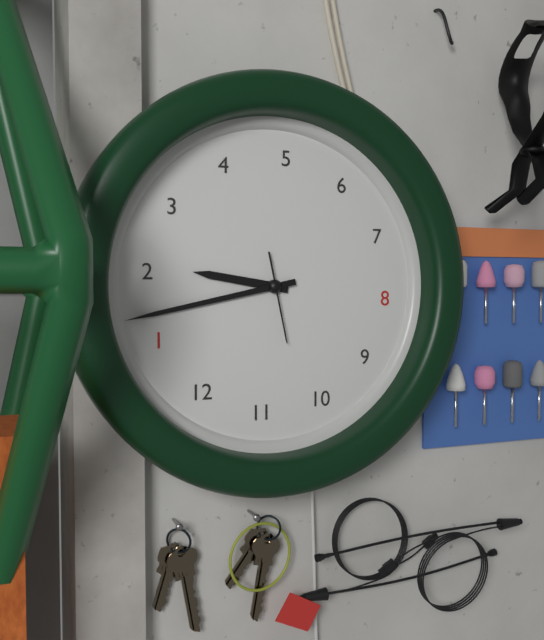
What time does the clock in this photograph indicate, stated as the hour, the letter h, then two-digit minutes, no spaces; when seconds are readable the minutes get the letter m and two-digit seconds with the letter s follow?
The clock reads 2h07m52s
